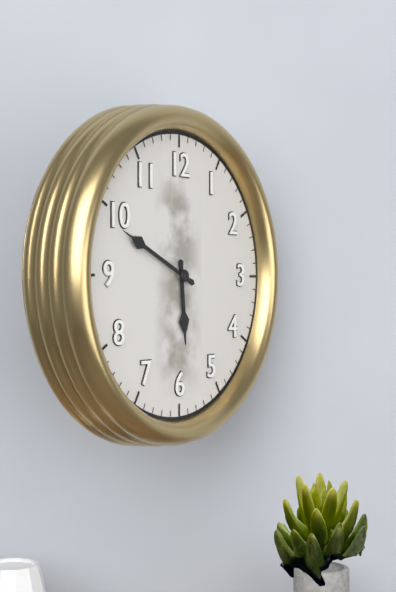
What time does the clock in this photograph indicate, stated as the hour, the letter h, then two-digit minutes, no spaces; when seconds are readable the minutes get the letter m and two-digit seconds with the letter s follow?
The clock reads 5h49
